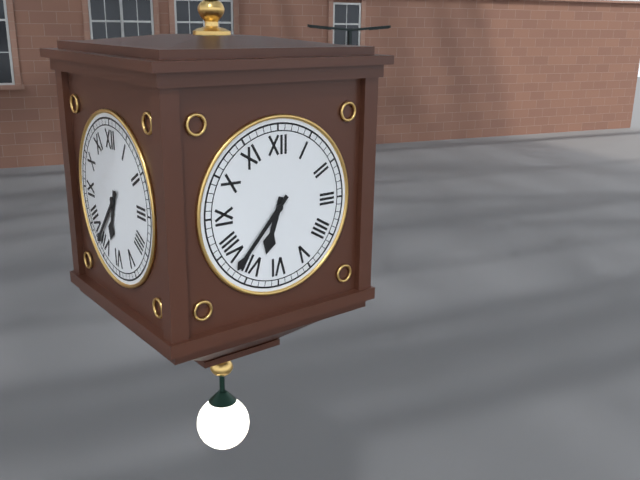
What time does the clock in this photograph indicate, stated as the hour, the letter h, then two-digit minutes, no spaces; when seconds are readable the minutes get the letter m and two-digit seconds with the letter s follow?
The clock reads 6h37
